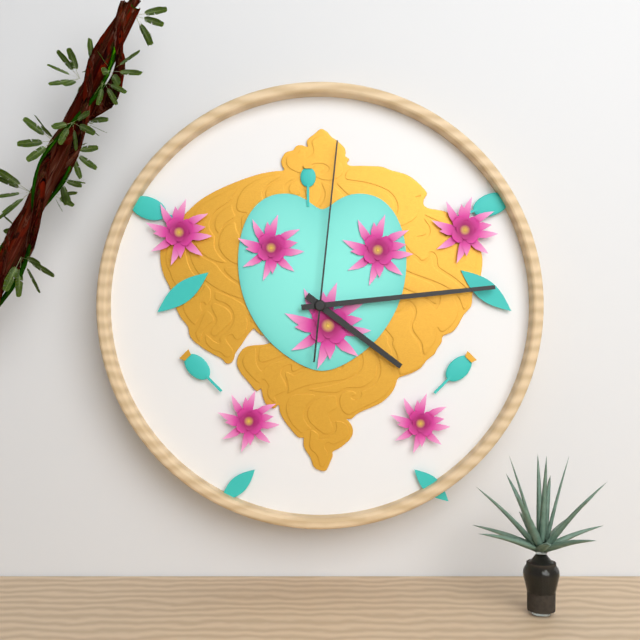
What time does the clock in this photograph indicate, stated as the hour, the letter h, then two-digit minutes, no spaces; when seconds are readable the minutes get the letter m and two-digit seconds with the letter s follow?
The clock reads 4h14m01s
